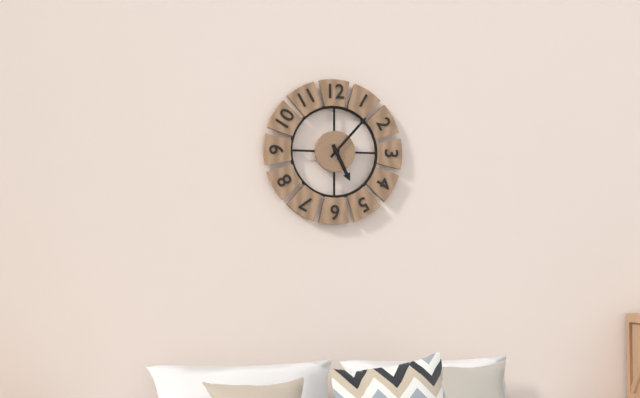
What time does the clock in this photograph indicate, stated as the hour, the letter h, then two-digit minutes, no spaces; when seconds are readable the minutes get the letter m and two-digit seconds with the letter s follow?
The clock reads 5h07
